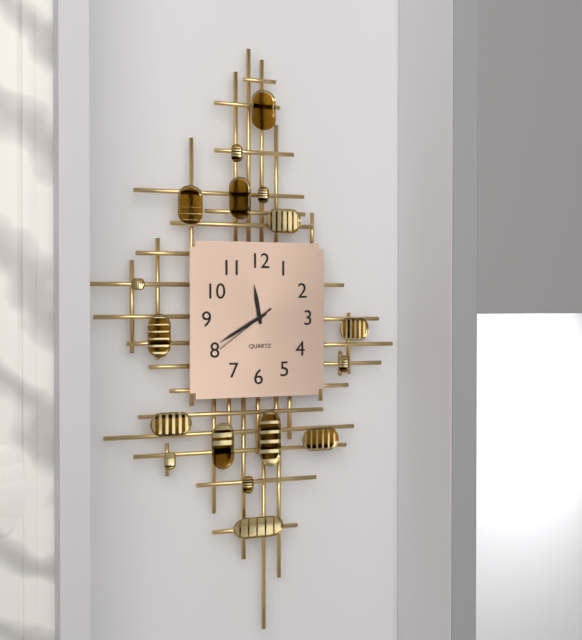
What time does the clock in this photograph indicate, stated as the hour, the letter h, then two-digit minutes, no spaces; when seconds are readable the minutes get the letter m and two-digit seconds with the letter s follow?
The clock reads 11h40m39s
